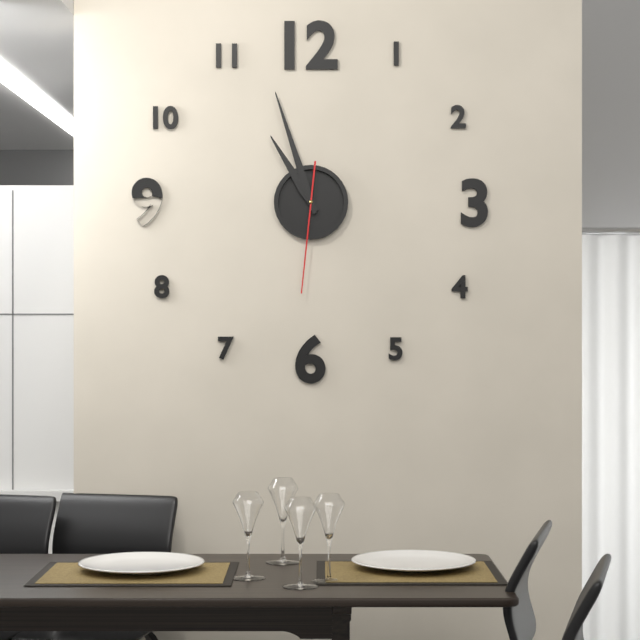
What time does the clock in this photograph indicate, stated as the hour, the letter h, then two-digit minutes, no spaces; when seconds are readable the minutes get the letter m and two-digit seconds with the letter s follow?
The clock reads 10h57m31s
